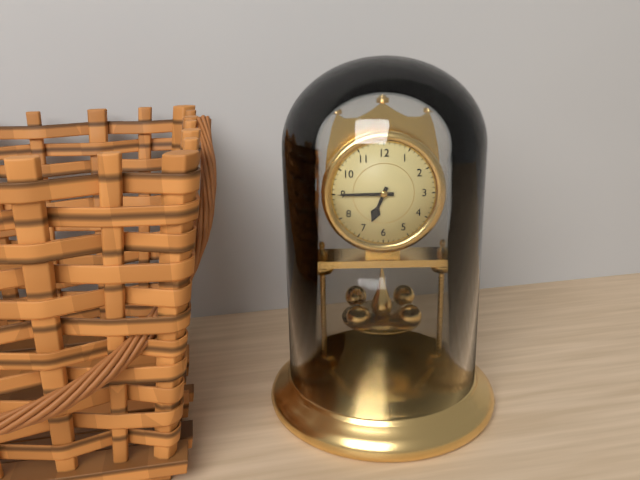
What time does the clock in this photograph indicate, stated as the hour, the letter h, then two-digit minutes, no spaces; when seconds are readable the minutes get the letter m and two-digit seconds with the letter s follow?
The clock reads 6h45
